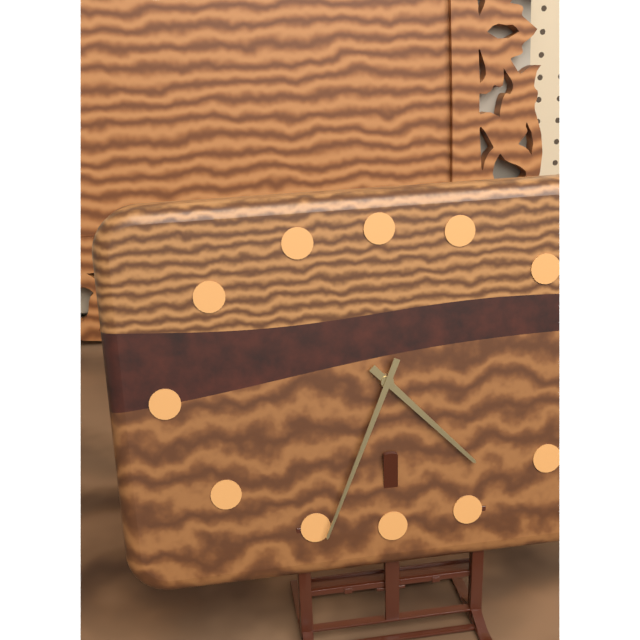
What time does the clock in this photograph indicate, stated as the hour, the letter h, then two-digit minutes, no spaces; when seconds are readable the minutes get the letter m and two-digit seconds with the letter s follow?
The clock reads 4h34
